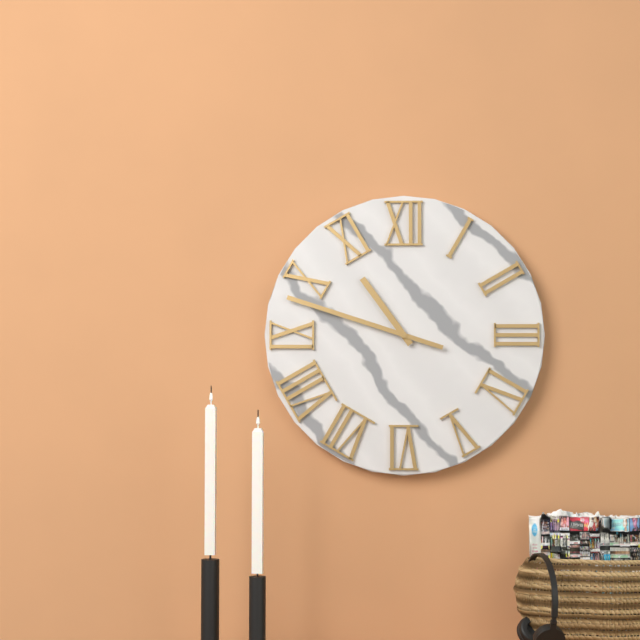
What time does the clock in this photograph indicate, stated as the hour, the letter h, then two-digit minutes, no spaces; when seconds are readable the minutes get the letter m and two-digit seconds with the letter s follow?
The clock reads 10h48
